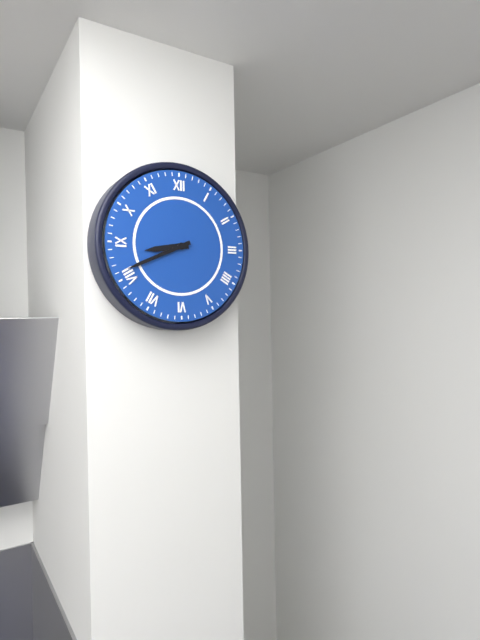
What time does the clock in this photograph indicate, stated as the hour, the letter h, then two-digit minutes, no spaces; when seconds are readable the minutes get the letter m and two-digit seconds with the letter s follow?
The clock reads 8h41
